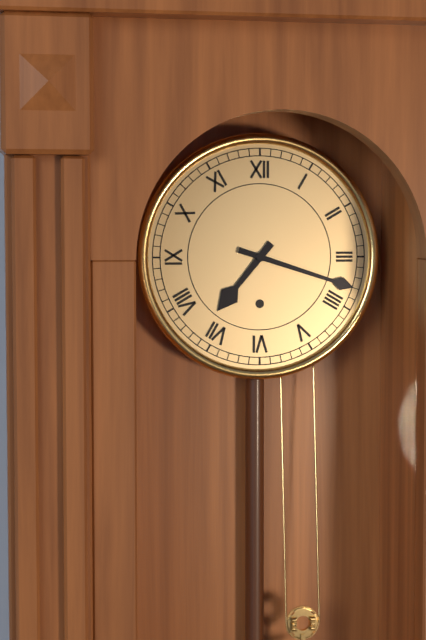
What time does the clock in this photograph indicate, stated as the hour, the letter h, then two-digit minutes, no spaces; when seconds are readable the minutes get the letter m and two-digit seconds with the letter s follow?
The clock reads 7h18
